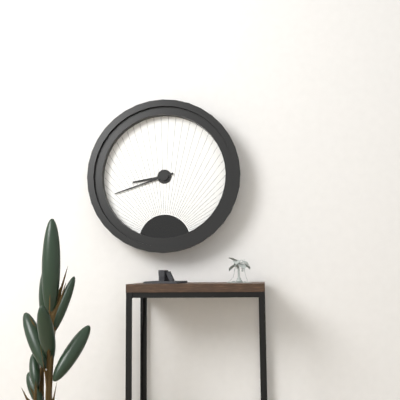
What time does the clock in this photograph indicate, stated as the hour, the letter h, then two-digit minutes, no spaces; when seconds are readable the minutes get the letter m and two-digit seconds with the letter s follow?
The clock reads 8h42
